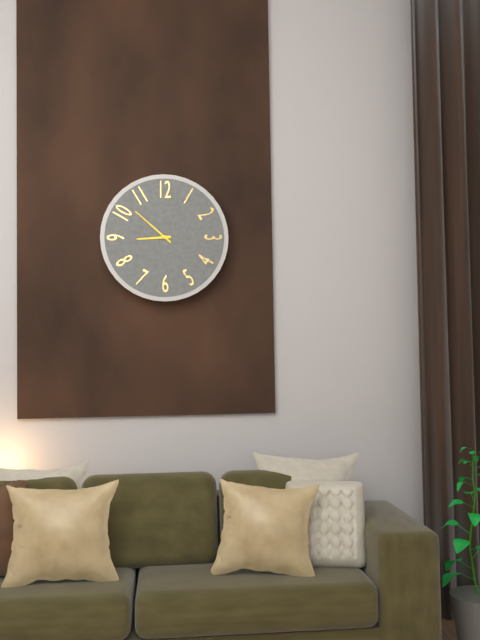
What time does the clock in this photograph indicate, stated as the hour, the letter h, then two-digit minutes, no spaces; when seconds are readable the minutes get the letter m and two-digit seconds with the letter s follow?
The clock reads 8h52
